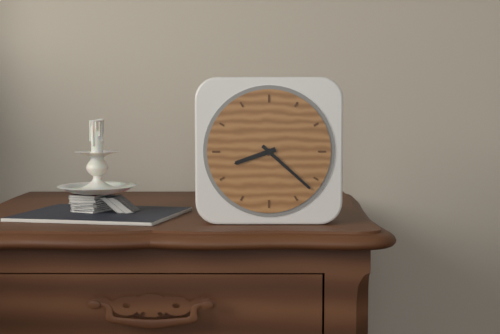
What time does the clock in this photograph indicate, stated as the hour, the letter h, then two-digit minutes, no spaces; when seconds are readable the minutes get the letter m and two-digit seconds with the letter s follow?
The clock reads 8h22
